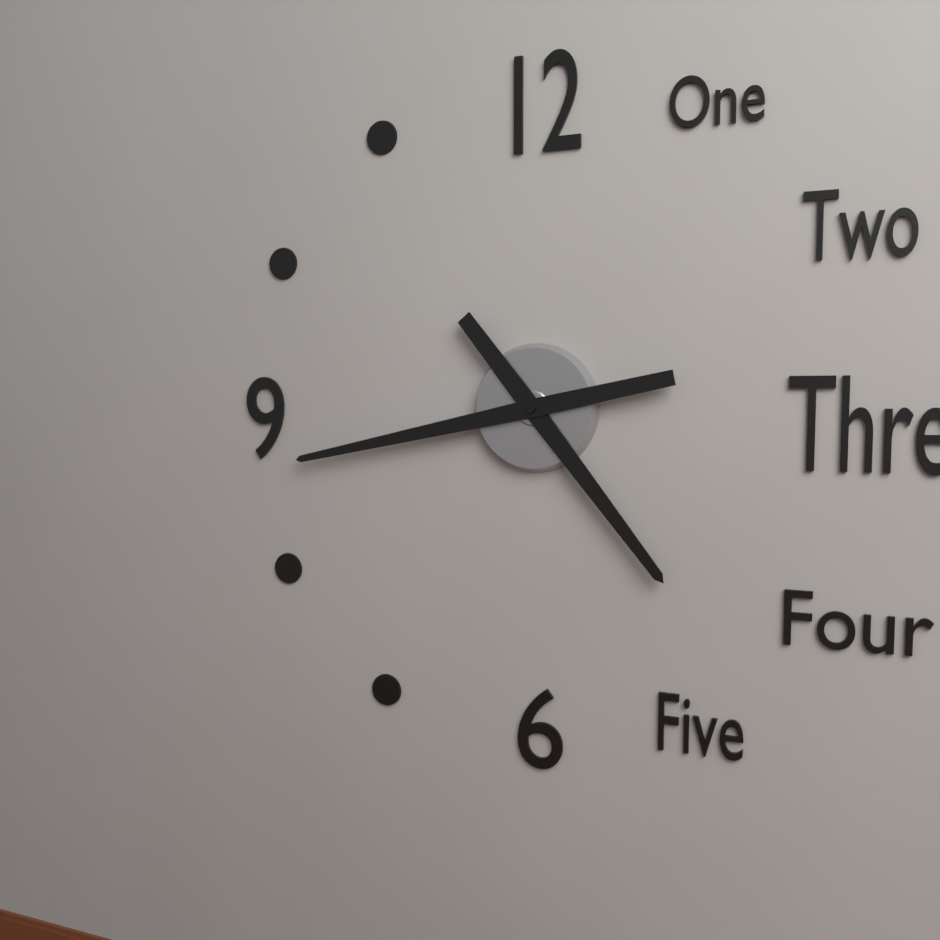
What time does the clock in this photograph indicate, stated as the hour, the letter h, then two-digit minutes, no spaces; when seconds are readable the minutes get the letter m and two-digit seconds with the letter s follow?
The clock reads 4h43
